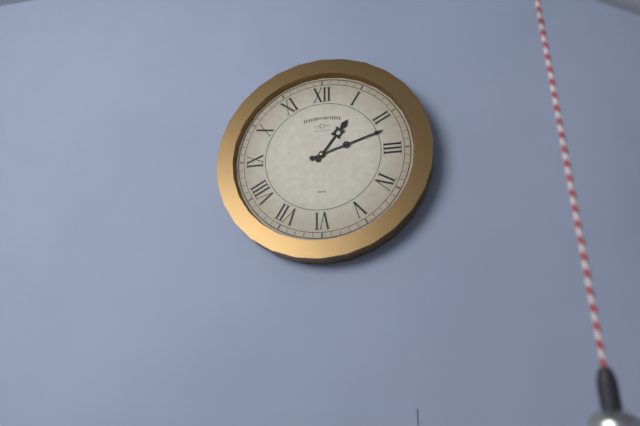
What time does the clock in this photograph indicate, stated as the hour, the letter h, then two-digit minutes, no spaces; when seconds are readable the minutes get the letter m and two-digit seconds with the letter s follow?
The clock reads 1h12
